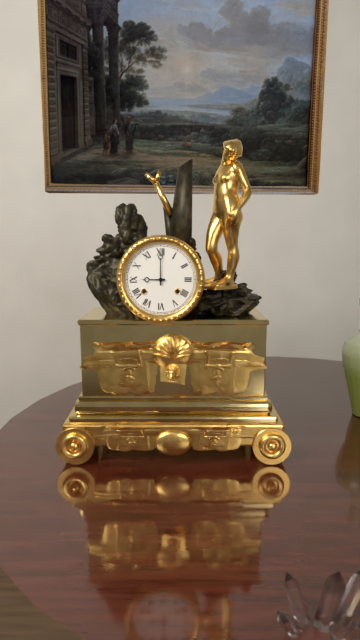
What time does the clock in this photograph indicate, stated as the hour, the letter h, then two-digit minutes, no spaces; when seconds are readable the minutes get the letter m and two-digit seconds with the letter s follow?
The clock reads 9h00
